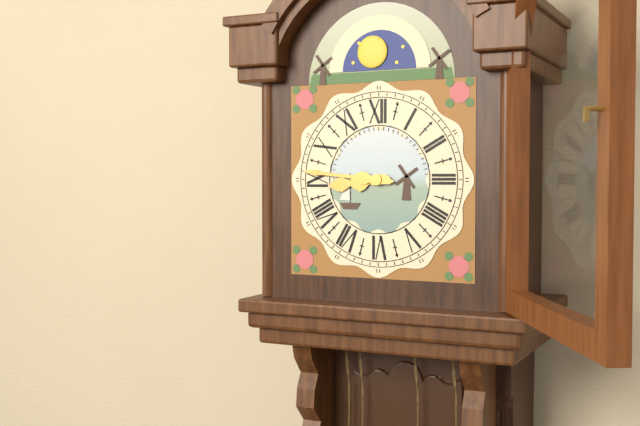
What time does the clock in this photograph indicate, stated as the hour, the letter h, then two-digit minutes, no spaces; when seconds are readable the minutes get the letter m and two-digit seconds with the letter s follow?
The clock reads 8h46
